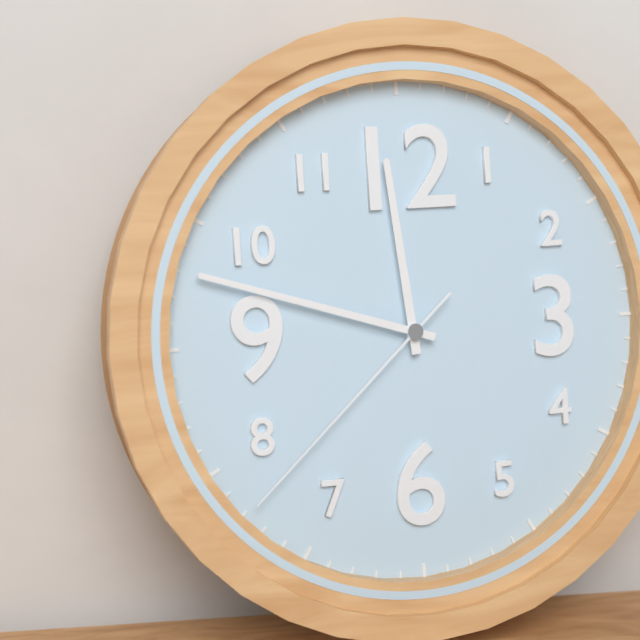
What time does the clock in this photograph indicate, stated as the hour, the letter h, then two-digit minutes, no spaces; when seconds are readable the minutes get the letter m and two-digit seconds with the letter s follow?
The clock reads 11h48m38s
